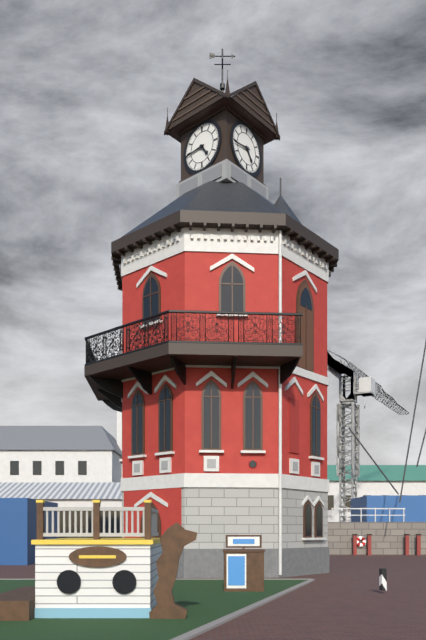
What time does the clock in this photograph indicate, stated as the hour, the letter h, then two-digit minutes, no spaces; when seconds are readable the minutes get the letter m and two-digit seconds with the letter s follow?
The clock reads 4h44
